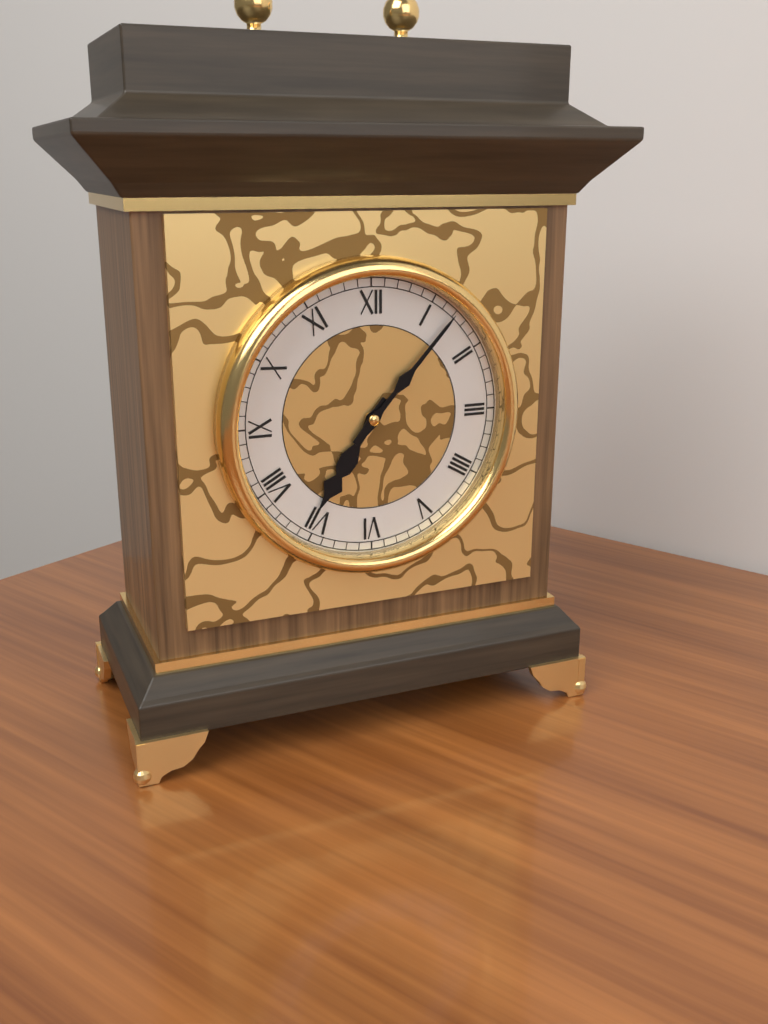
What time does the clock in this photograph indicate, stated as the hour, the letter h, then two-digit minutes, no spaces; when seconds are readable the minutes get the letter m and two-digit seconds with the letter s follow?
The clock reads 7h07
